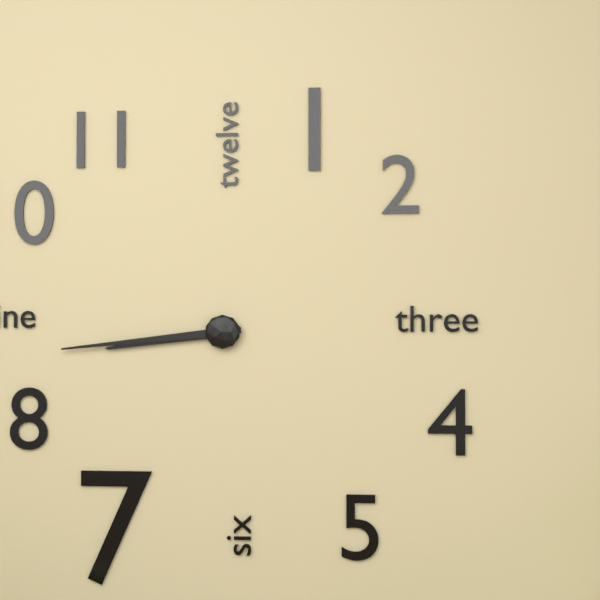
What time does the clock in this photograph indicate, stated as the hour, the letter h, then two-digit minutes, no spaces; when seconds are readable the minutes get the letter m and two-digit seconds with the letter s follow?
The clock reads 8h44
